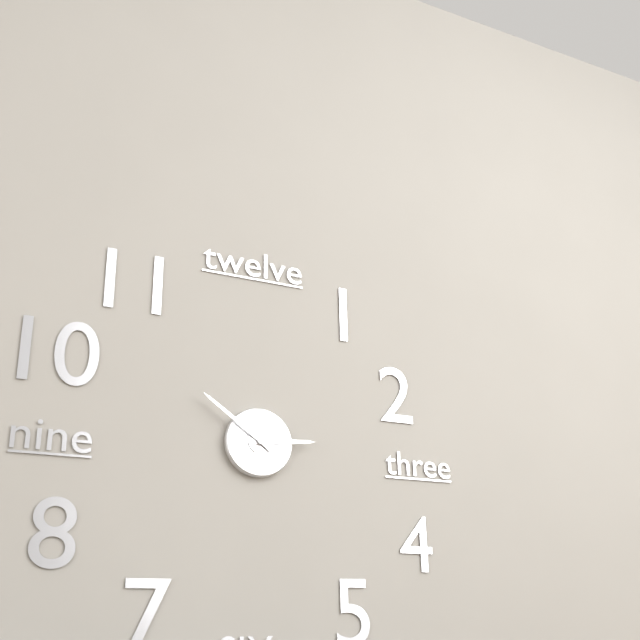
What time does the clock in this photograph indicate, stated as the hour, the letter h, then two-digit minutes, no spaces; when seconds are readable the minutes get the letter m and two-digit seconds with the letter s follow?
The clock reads 2h51
